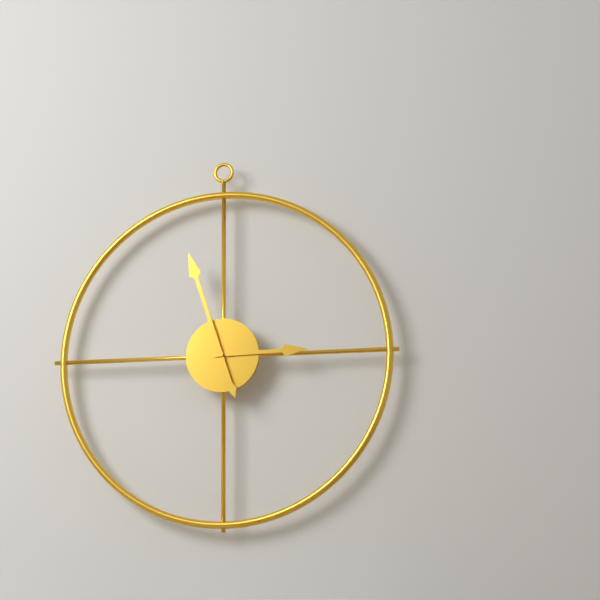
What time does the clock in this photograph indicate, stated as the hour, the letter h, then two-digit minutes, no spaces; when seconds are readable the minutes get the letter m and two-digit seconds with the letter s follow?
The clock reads 2h57
